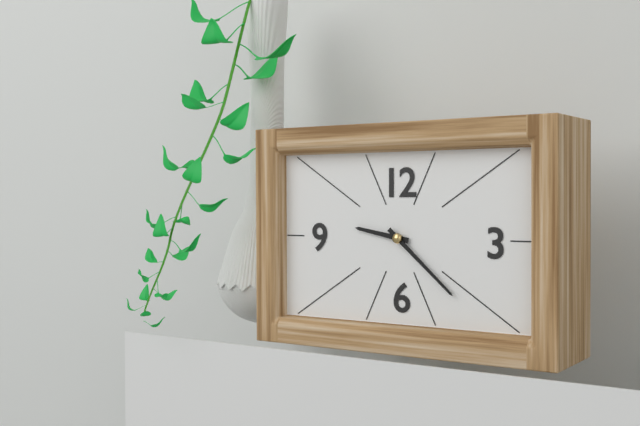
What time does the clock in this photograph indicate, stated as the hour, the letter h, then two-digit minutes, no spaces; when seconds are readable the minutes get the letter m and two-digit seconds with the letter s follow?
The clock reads 9h22
